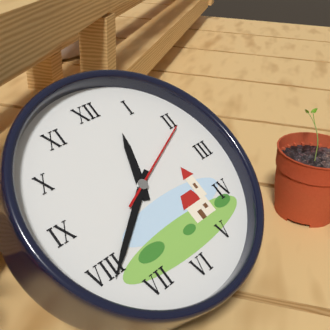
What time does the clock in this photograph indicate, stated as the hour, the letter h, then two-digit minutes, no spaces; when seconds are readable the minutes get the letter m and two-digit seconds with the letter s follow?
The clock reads 12h39m11s
